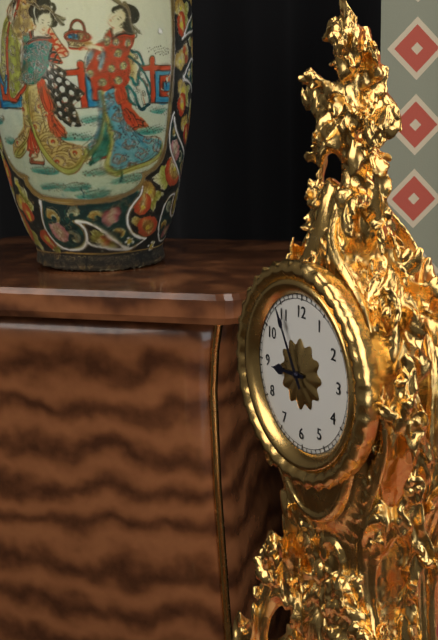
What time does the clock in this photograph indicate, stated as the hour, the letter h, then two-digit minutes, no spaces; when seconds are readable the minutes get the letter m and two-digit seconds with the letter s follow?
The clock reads 8h55
